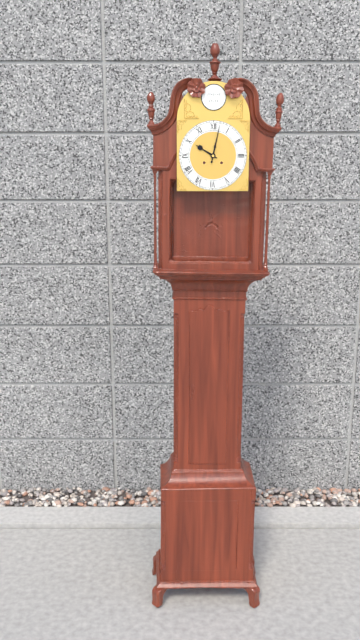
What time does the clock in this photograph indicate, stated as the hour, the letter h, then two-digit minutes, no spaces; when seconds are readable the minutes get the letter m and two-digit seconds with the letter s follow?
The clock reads 10h02
